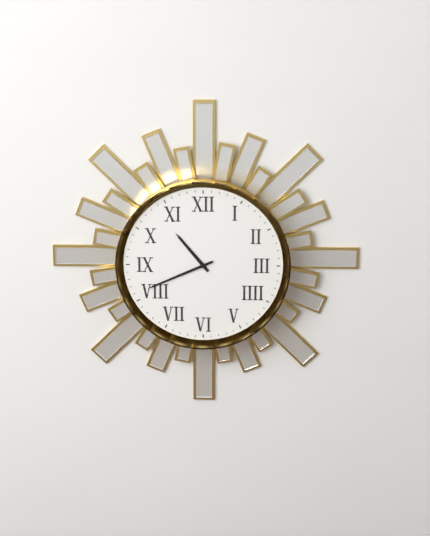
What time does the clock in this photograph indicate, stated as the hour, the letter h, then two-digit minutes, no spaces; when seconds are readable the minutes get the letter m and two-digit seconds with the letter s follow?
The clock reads 10h41
